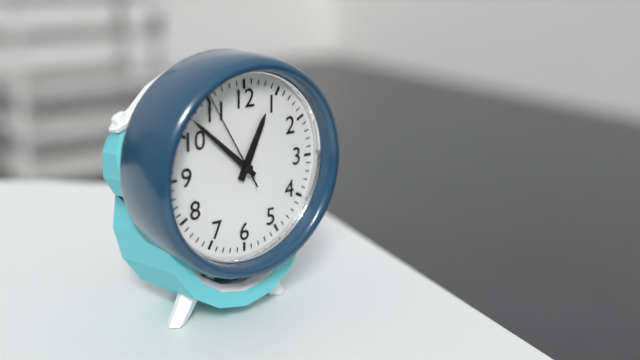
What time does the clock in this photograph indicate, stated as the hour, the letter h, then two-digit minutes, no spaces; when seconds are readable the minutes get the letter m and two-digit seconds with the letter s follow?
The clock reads 12h52m55s
